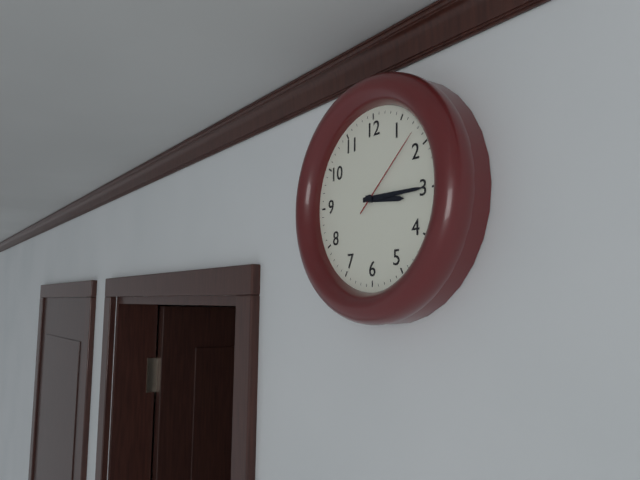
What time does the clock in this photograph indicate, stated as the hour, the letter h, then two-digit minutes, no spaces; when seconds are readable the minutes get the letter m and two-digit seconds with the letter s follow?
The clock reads 3h15m08s
